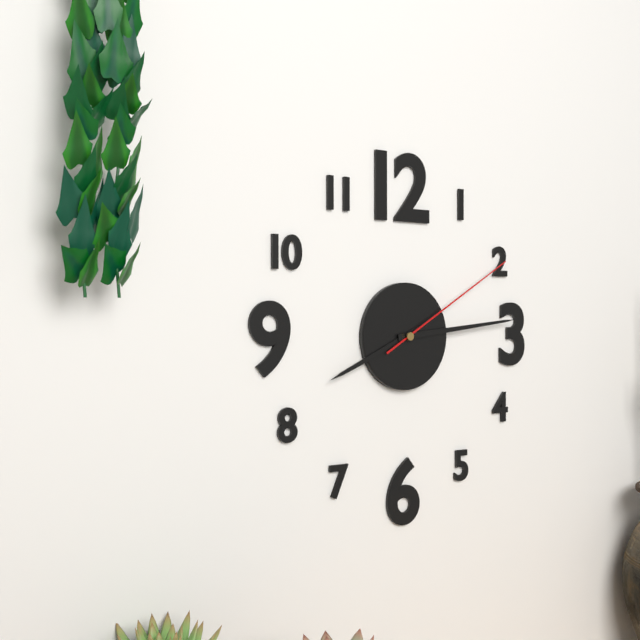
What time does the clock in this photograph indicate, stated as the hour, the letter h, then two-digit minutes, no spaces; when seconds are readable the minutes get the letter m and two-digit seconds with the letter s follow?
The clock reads 8h14m10s
